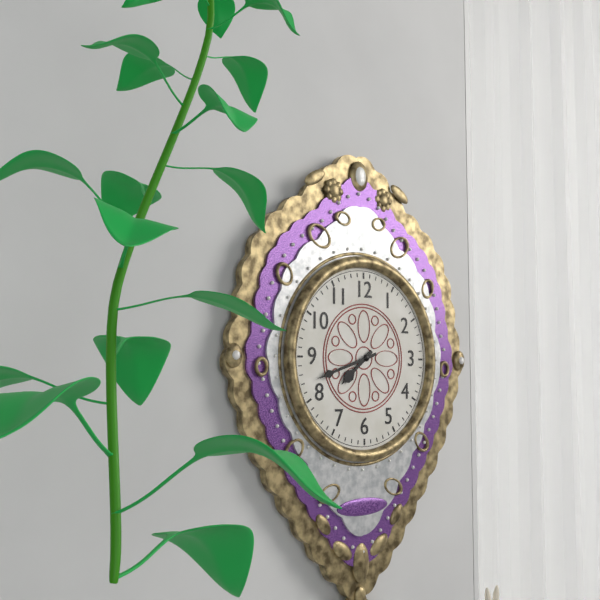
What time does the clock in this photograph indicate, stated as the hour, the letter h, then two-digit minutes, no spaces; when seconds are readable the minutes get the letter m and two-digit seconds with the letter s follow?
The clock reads 7h42
